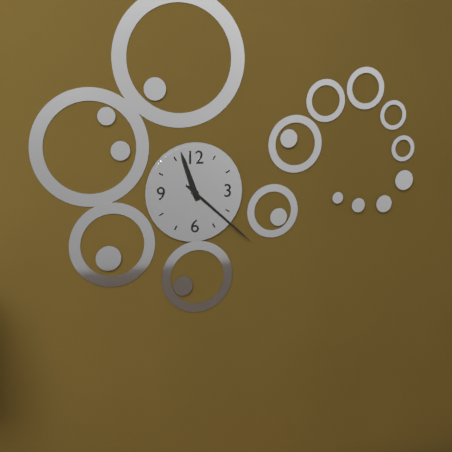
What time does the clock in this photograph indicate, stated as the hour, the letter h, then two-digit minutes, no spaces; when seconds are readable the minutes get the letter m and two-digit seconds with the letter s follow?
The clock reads 11h22
